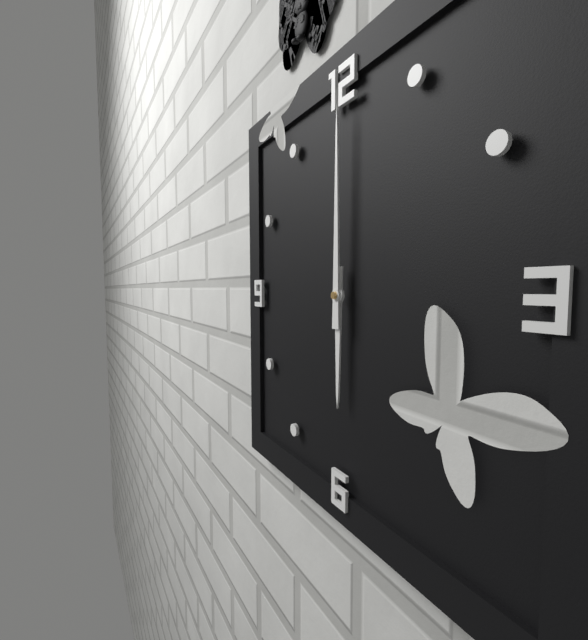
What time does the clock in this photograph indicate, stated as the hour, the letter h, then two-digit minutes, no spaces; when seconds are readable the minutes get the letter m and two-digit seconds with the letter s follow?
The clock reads 6h00
